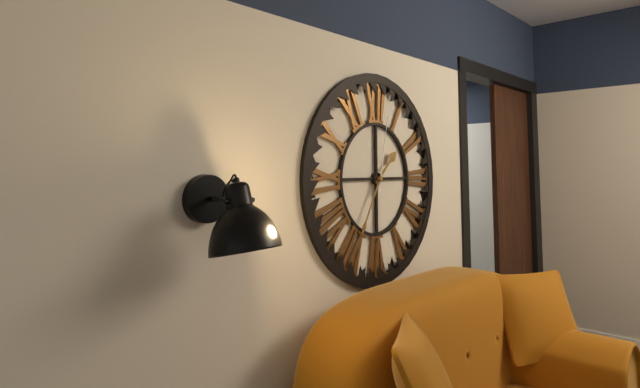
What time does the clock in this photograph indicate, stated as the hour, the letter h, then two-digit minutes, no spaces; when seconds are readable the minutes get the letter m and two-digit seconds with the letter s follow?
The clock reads 1h35m02s
